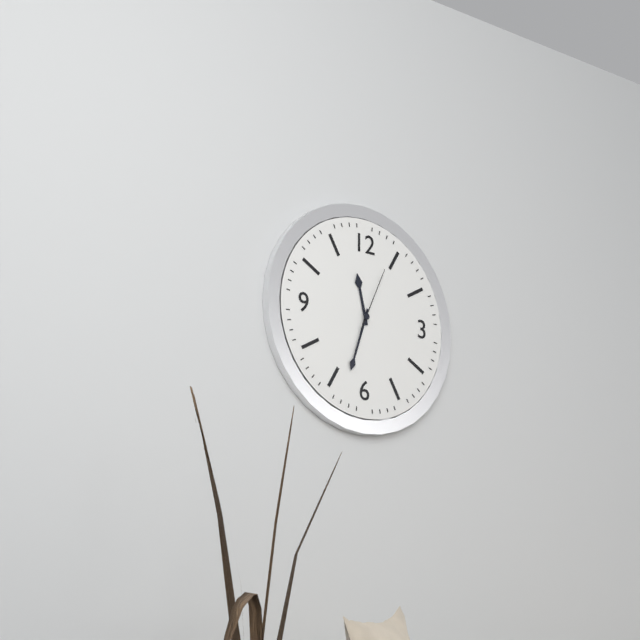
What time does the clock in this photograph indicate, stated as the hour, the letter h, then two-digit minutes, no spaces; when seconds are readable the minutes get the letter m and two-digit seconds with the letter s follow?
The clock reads 11h33m04s
